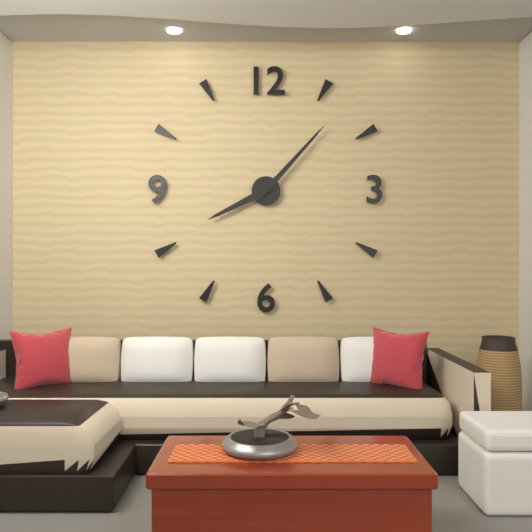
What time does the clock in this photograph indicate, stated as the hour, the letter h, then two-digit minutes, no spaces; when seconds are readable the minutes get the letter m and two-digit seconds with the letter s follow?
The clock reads 8h07
